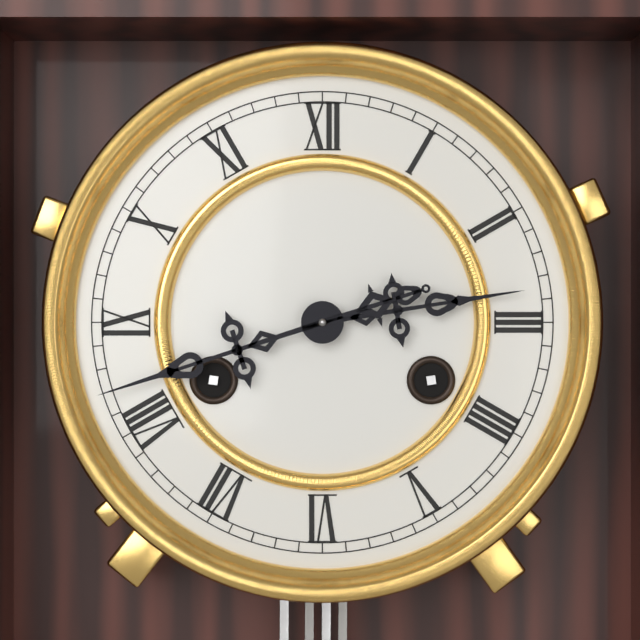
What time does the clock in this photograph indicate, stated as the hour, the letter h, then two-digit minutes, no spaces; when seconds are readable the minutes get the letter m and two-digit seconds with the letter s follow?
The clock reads 2h42
